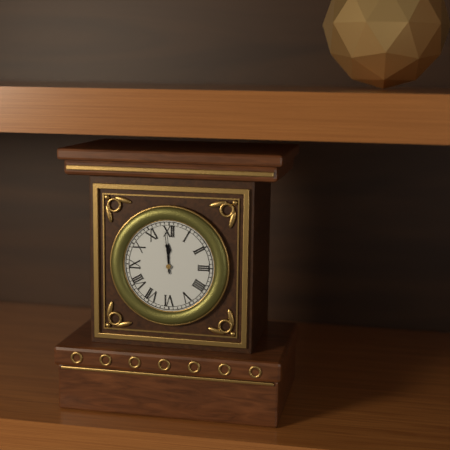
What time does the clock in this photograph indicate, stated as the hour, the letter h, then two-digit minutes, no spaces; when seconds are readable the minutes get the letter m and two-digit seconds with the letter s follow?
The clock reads 11h59
